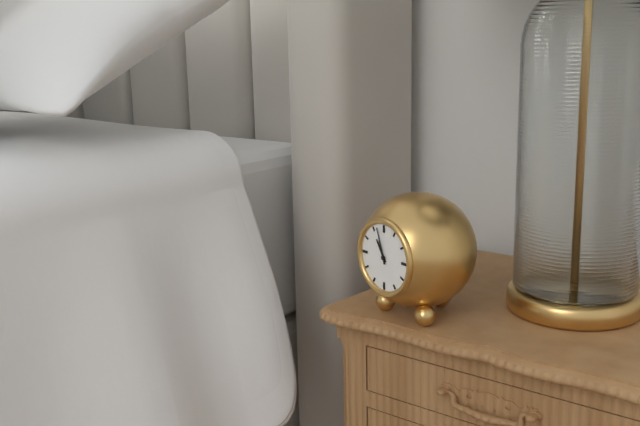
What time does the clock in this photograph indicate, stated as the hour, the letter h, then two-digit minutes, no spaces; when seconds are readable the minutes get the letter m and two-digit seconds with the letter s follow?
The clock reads 10h57
